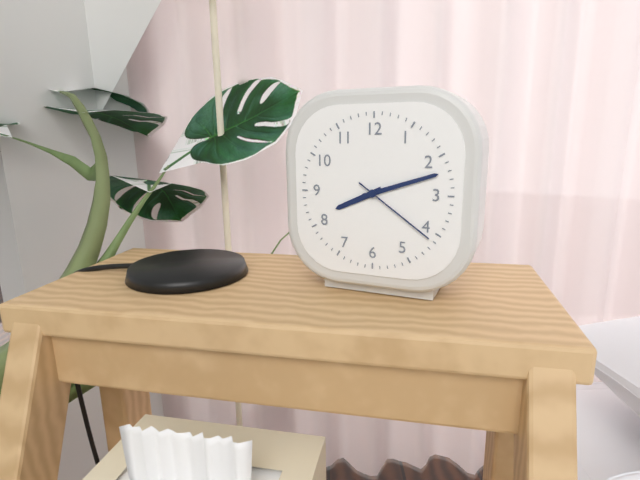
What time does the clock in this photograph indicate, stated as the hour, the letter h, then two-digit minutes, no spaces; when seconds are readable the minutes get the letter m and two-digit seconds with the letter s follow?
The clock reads 8h12m21s
